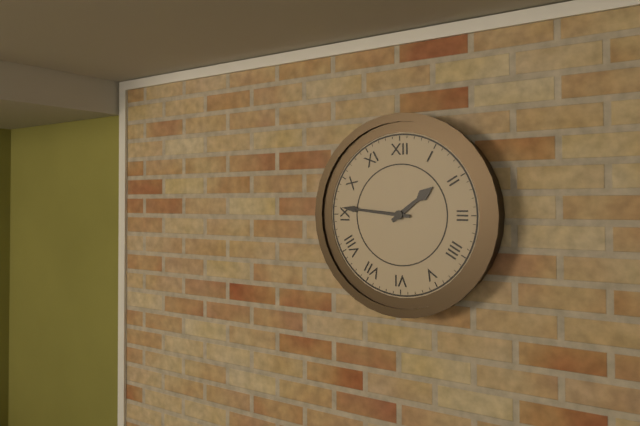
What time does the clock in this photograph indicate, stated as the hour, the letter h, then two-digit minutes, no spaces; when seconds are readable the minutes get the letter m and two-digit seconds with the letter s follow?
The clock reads 1h46
